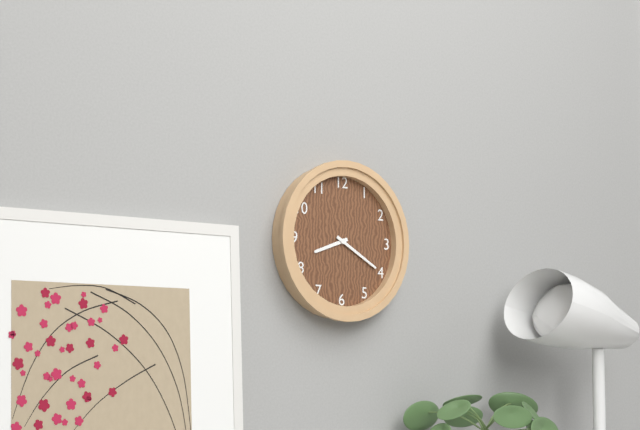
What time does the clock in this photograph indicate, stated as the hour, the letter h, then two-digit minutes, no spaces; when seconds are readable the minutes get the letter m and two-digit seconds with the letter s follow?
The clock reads 8h20
